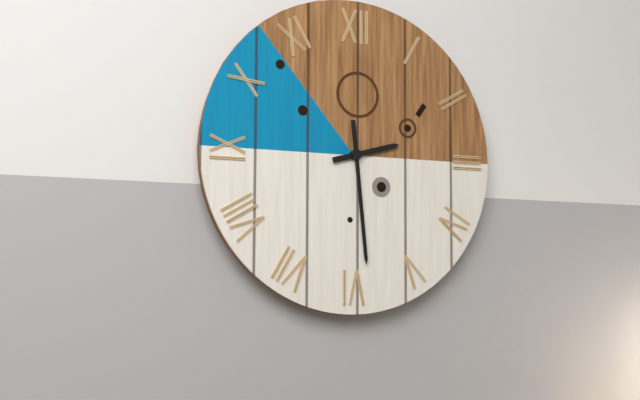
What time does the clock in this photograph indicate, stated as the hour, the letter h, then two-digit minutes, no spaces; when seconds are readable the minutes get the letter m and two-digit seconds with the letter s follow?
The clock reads 2h29
